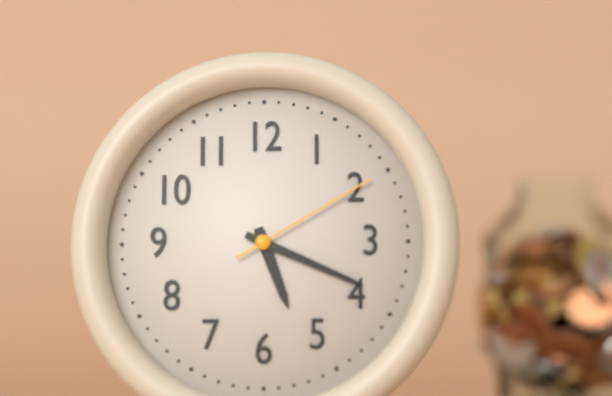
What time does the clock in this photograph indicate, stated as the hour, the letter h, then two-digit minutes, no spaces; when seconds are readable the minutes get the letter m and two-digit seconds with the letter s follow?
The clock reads 5h19m10s
